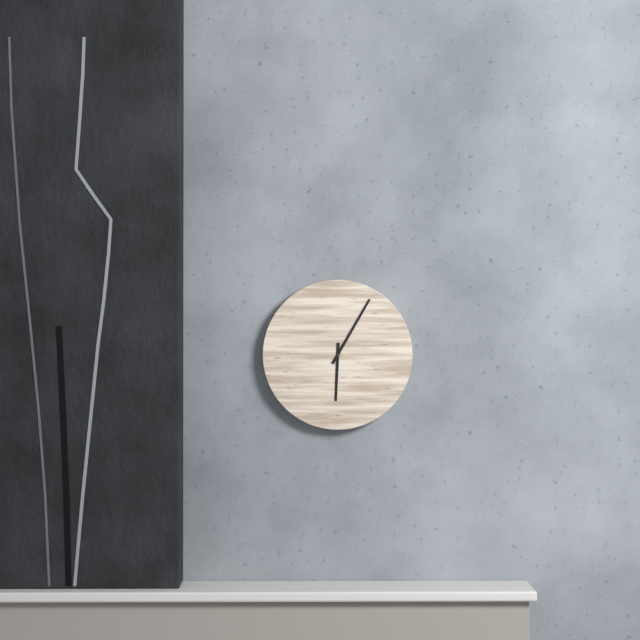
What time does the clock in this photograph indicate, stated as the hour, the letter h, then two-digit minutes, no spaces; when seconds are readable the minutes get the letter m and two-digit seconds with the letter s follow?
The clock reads 6h05
